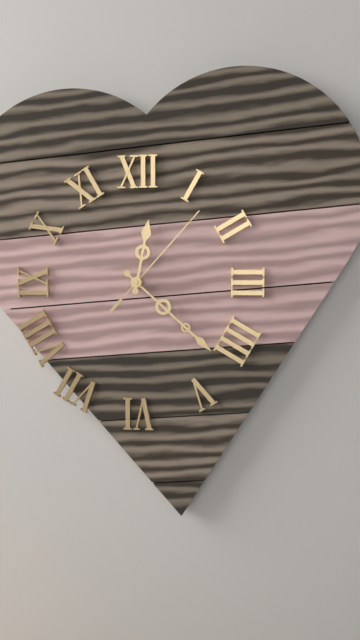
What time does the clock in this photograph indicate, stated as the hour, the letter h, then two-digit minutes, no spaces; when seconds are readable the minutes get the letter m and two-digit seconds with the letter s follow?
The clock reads 12h22m07s
